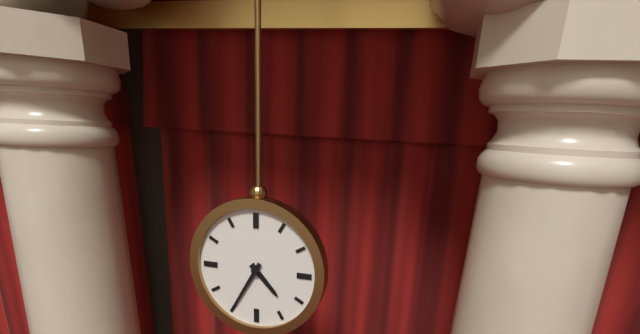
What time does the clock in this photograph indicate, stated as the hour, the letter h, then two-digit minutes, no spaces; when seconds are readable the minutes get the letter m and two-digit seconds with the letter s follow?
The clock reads 4h35
